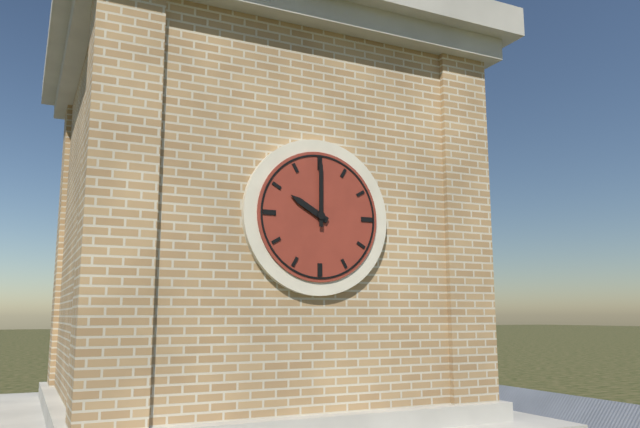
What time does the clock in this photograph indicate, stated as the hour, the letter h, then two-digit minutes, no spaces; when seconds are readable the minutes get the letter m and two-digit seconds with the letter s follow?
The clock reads 10h00
